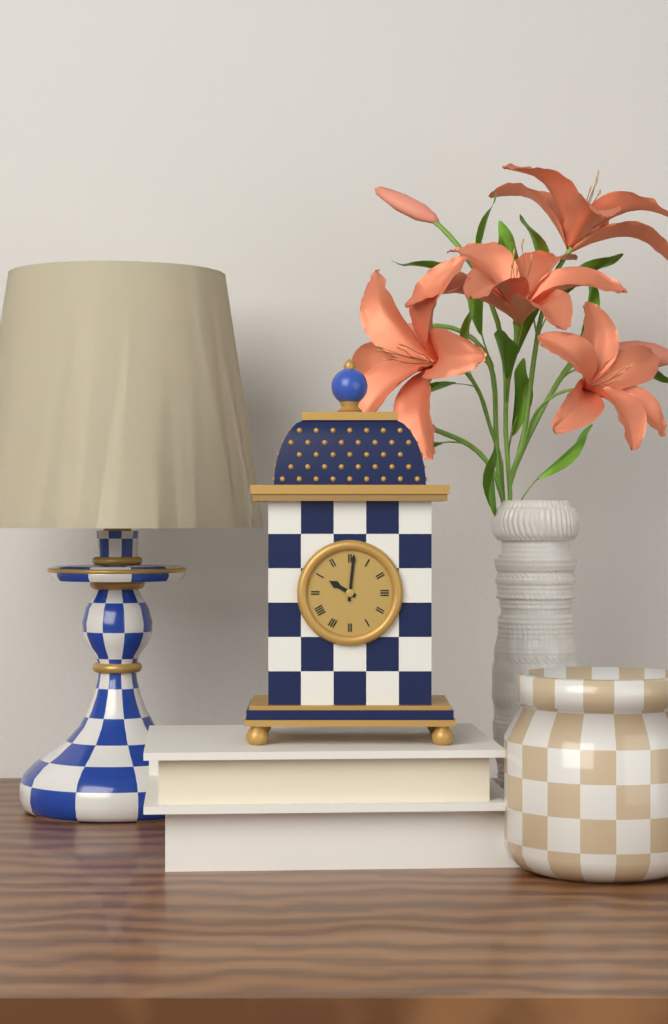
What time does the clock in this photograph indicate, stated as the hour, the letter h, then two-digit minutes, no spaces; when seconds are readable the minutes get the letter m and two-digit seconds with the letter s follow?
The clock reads 10h01
